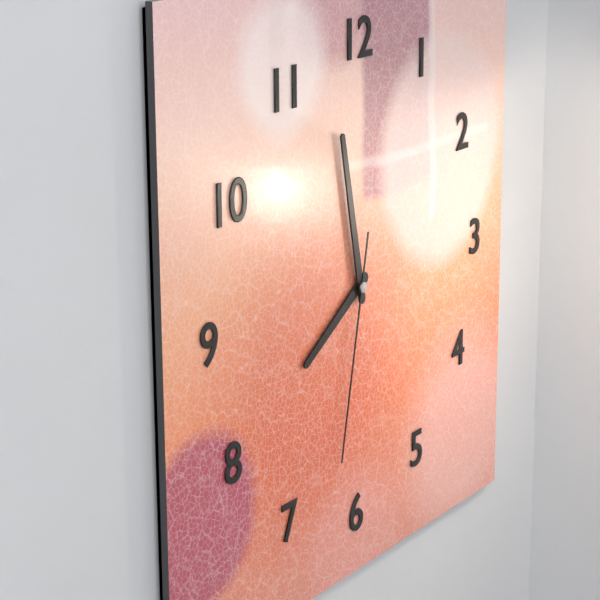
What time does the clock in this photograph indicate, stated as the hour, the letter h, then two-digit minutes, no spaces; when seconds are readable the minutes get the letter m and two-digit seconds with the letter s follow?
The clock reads 7h58m32s
